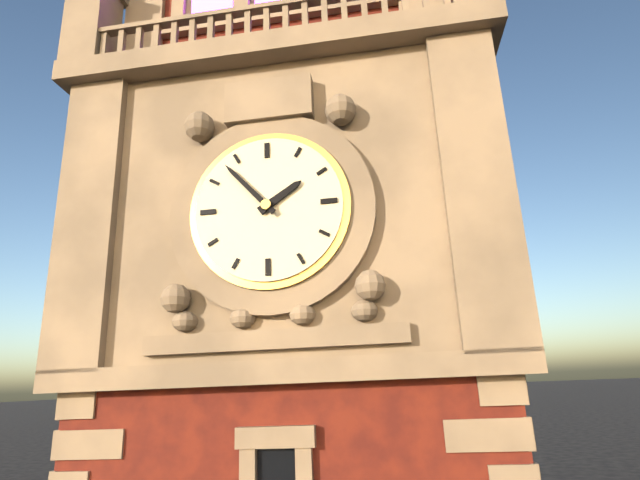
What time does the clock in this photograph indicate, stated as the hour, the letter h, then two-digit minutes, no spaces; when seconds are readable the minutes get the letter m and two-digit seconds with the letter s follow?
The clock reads 1h53
